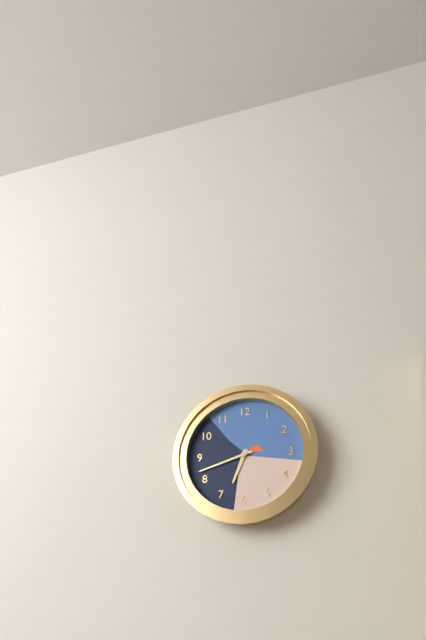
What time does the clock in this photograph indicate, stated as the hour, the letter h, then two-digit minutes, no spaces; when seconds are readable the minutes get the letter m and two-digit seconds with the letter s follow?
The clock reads 6h42
